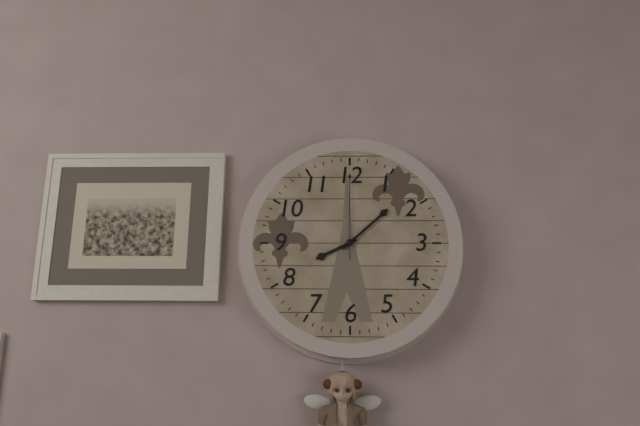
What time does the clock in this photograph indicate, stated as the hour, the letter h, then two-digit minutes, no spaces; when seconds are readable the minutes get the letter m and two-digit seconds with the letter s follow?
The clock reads 8h08m00s
